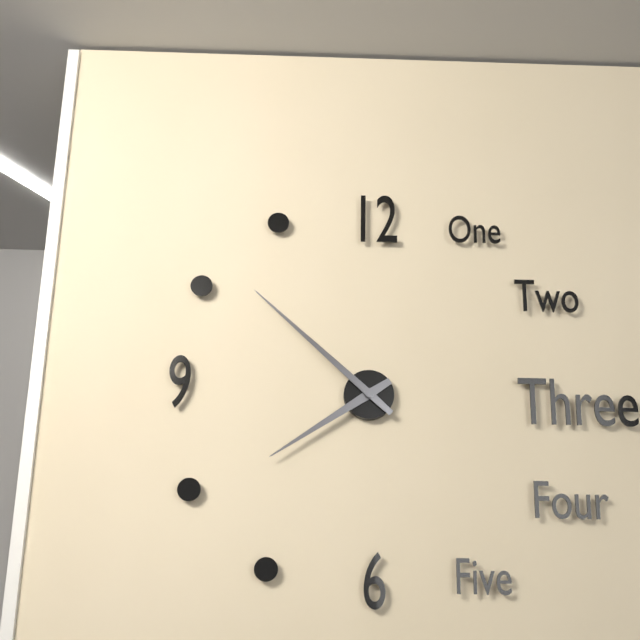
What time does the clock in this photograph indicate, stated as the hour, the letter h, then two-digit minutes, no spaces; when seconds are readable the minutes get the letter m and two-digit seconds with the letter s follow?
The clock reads 7h52
